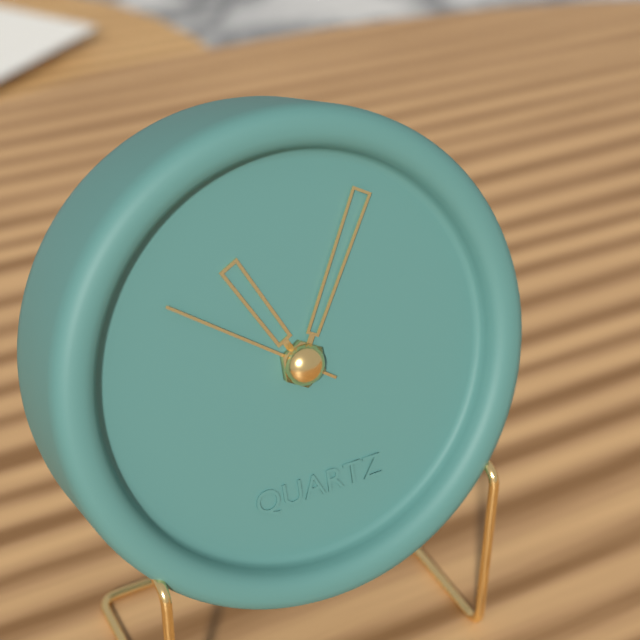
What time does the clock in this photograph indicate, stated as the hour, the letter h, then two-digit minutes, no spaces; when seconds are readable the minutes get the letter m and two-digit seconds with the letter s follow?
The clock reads 11h05m51s
